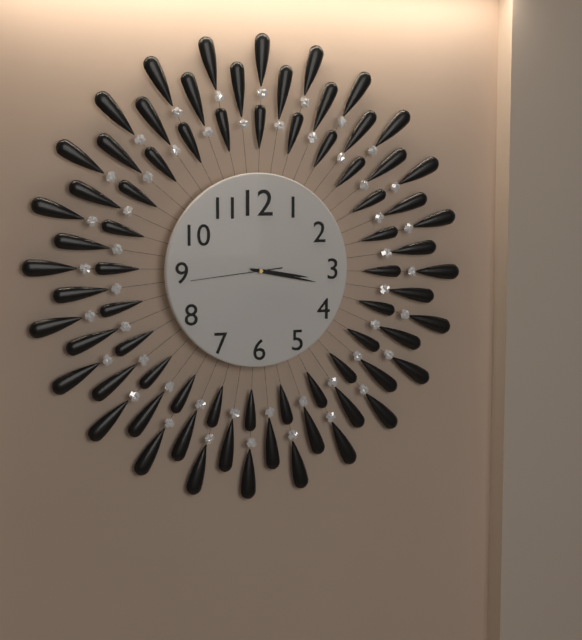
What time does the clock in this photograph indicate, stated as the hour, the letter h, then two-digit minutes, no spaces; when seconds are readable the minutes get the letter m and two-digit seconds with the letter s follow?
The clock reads 3h17m44s
